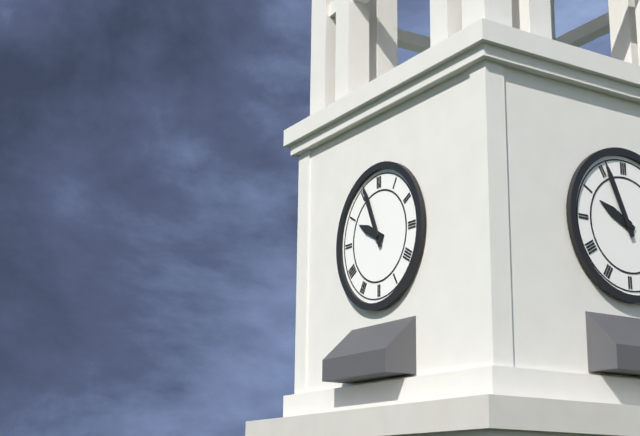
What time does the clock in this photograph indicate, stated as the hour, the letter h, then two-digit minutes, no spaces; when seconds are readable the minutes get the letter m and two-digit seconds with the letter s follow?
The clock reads 9h56
